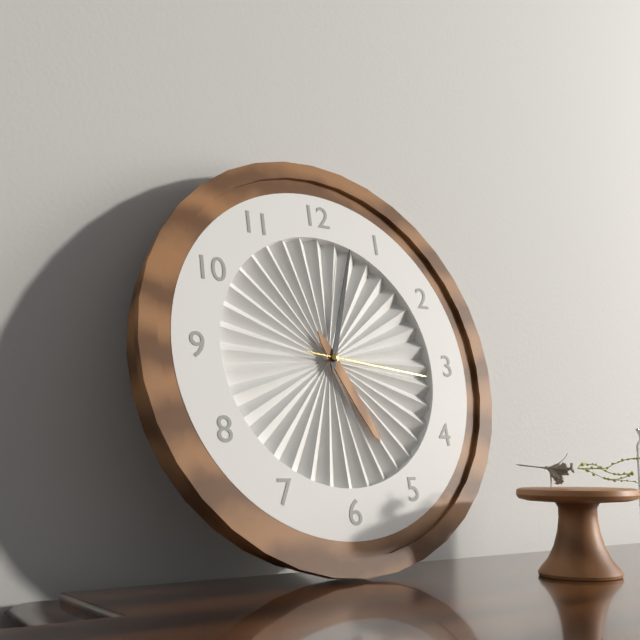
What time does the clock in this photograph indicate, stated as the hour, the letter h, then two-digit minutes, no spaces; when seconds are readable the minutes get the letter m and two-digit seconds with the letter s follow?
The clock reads 5h03m16s
